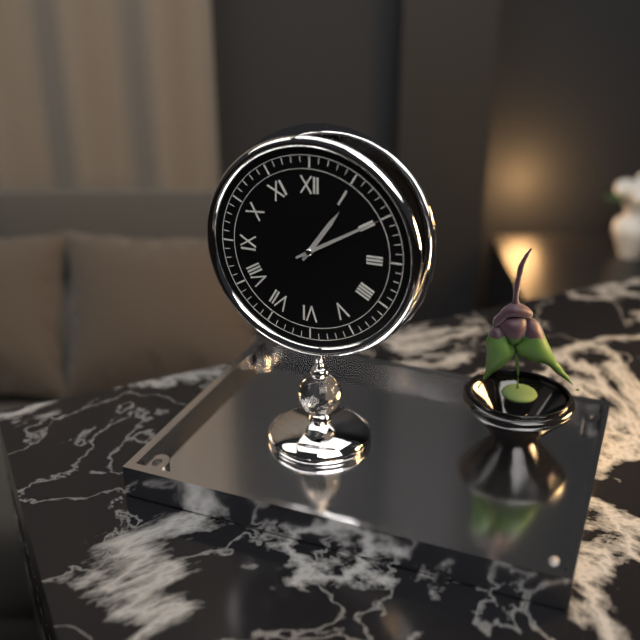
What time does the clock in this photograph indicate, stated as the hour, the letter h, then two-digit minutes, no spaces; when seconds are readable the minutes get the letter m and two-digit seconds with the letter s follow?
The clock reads 1h10
